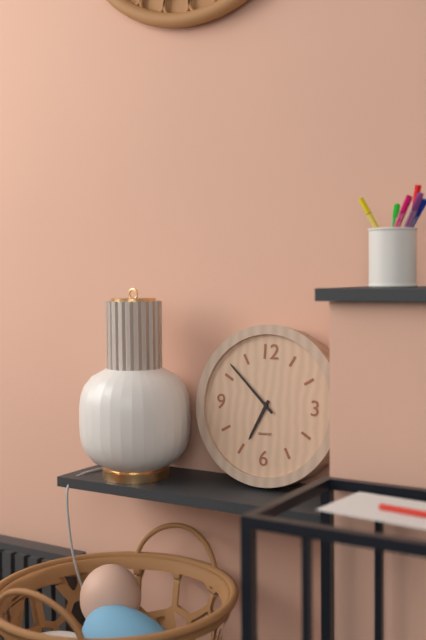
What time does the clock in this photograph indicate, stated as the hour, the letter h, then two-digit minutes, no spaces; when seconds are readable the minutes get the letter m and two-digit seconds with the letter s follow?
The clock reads 6h52
